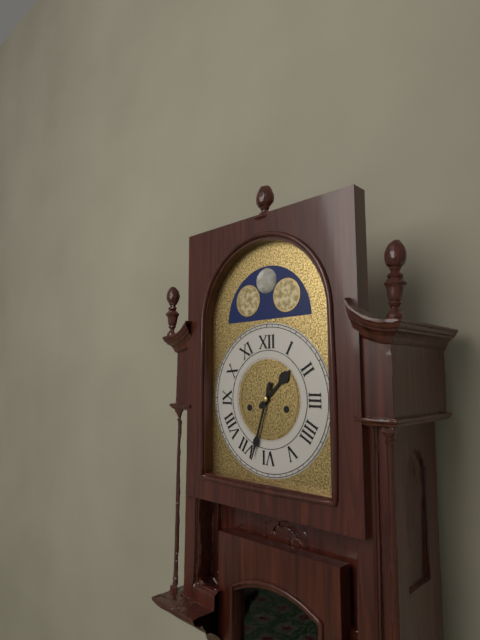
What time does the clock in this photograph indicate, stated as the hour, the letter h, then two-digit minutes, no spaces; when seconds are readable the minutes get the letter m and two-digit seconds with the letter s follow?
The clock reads 1h33
